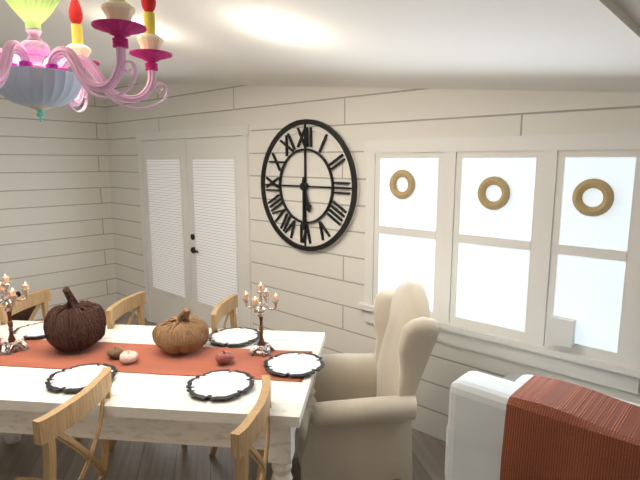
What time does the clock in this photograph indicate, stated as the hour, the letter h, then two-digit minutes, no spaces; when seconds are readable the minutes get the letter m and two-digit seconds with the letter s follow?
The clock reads 5h30
